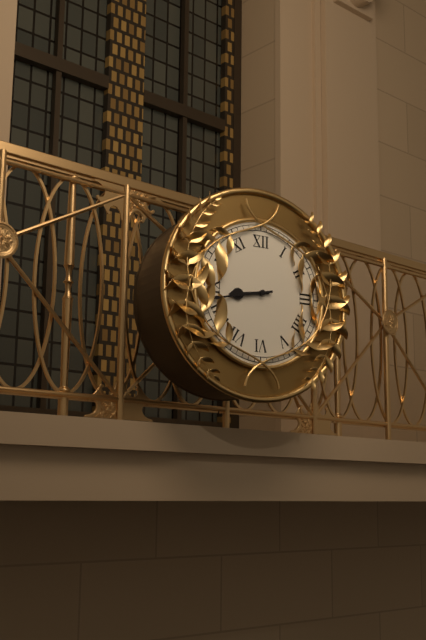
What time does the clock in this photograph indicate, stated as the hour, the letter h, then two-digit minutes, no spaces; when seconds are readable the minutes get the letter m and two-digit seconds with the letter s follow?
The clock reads 8h43
